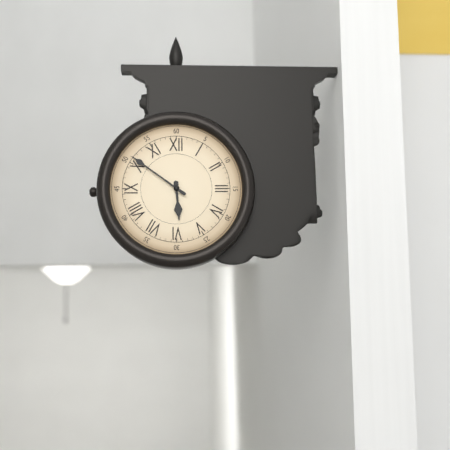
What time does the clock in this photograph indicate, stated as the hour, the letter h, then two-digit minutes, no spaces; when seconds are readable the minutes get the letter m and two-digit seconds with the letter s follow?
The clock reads 5h51
